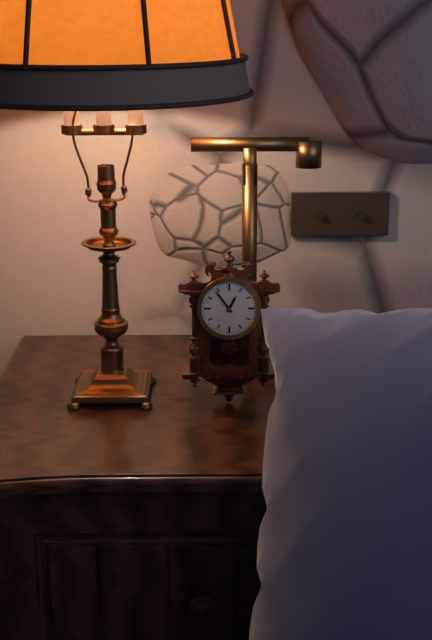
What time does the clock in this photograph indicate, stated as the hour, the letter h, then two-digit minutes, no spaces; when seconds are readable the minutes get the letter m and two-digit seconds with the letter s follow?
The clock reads 12h54
